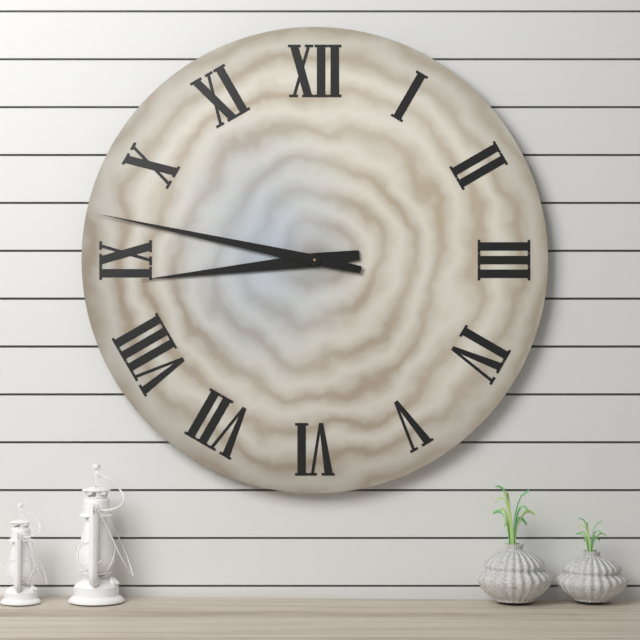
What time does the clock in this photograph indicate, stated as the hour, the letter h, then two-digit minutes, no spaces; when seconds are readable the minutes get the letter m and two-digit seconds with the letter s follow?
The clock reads 8h47
